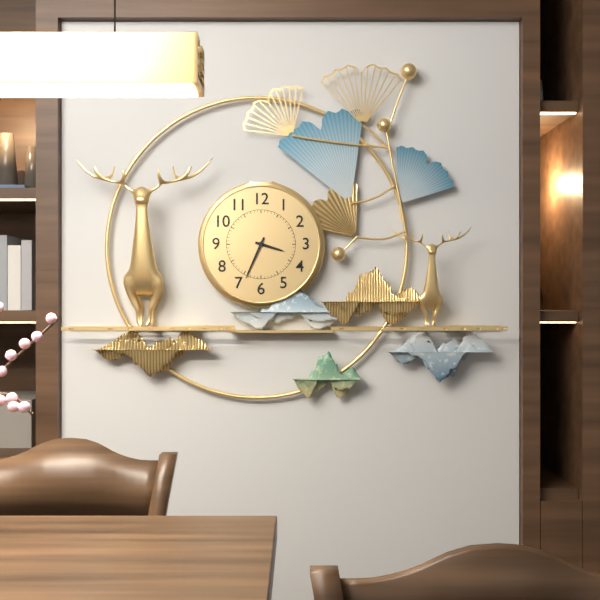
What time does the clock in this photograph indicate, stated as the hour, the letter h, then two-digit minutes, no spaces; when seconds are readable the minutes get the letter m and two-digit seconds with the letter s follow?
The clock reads 3h34
